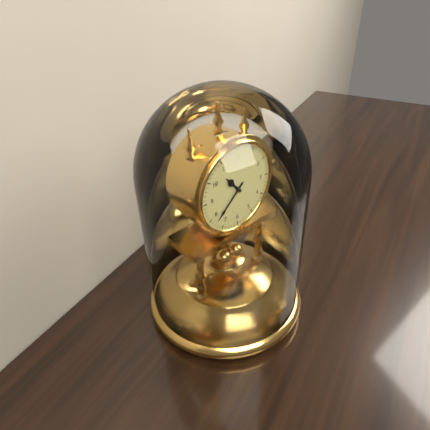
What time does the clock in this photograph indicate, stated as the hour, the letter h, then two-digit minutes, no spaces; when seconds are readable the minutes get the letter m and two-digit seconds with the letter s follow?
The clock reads 10h38
